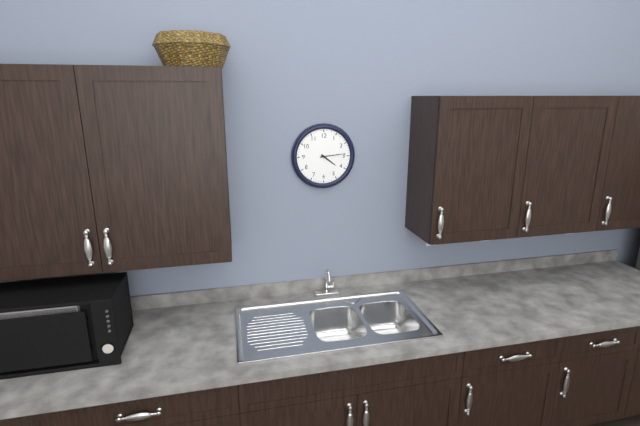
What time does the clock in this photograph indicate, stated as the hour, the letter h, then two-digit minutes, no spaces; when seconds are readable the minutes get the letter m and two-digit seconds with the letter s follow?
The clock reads 4h14
